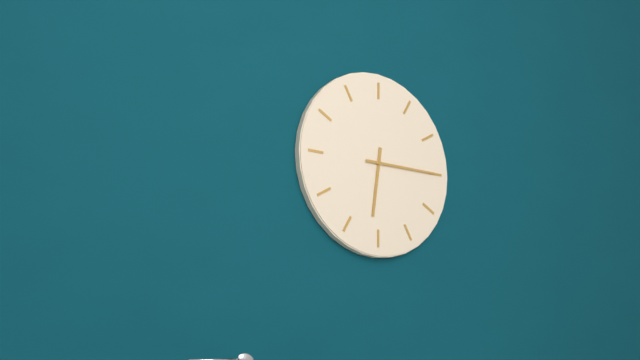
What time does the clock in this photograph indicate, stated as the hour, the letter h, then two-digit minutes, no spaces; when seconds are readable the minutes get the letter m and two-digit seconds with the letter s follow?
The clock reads 6h15
